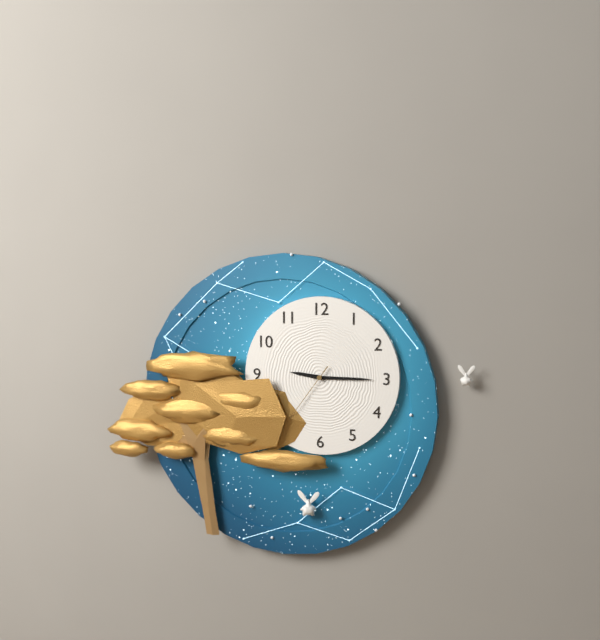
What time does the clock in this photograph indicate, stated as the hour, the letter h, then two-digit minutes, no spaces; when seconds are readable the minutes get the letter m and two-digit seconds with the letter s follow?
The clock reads 9h15m36s
